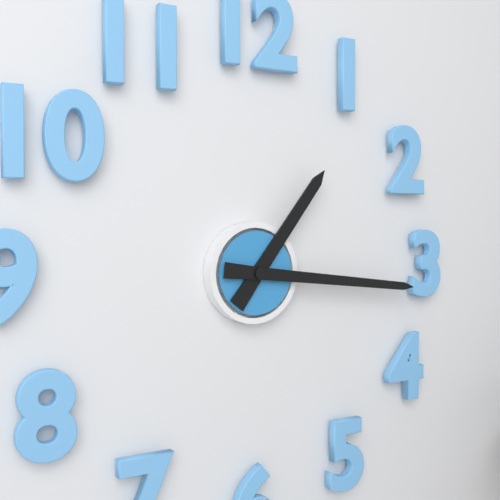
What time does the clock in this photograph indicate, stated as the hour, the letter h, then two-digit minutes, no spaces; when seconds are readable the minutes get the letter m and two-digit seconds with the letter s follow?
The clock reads 1h16
